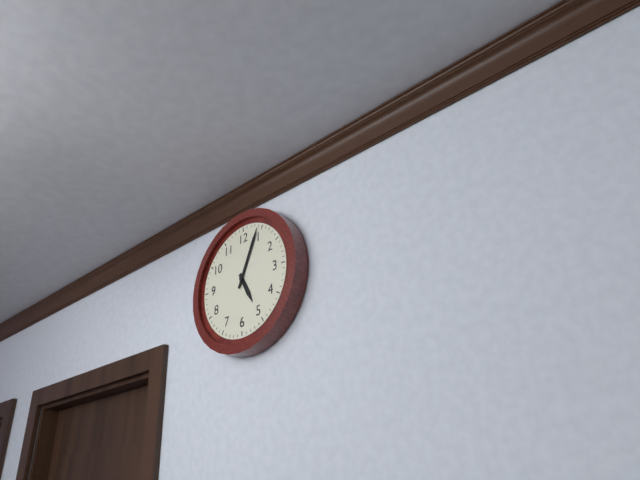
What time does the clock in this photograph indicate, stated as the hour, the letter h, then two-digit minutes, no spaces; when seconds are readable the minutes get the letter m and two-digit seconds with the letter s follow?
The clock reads 5h04
